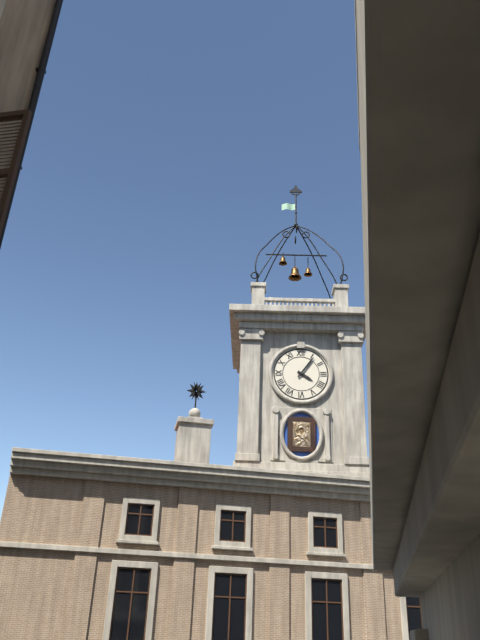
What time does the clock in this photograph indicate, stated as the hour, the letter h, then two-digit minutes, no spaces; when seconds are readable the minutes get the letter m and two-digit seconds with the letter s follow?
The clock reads 4h06
